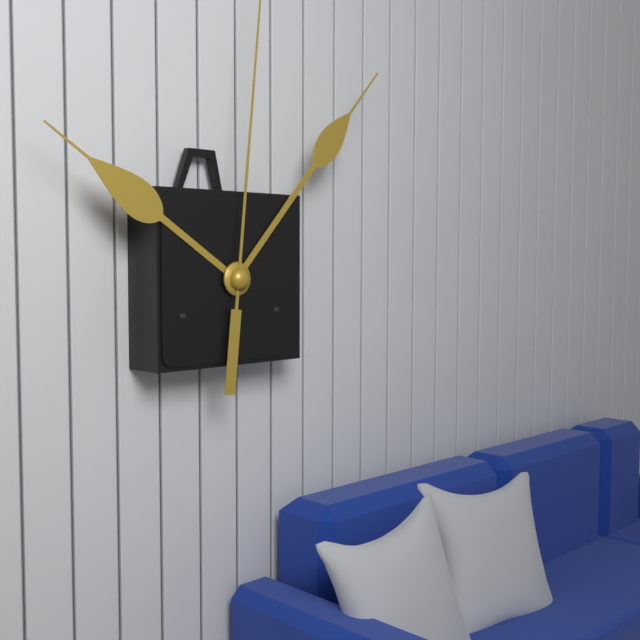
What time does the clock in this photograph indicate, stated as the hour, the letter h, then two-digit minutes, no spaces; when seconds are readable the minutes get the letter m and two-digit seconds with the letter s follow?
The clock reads 10h07
